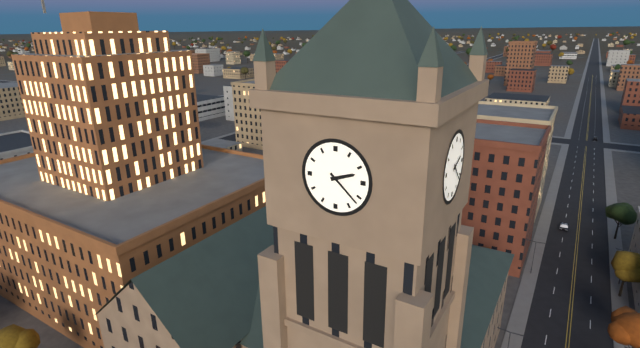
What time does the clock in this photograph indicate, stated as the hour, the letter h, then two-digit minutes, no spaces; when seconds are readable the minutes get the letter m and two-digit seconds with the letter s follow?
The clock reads 2h22
